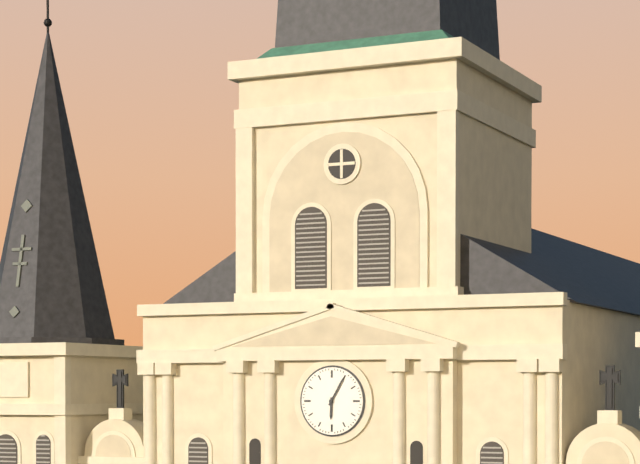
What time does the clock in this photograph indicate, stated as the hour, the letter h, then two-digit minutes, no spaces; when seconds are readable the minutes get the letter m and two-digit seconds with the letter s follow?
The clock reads 6h05
